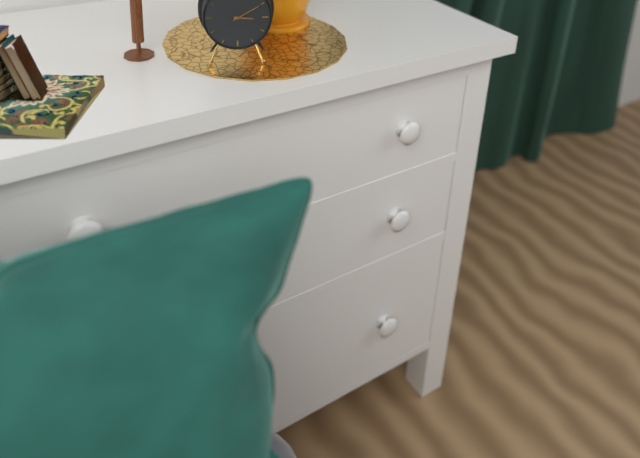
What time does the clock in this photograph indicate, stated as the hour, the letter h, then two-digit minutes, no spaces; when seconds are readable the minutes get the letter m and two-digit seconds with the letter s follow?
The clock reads 3h10
